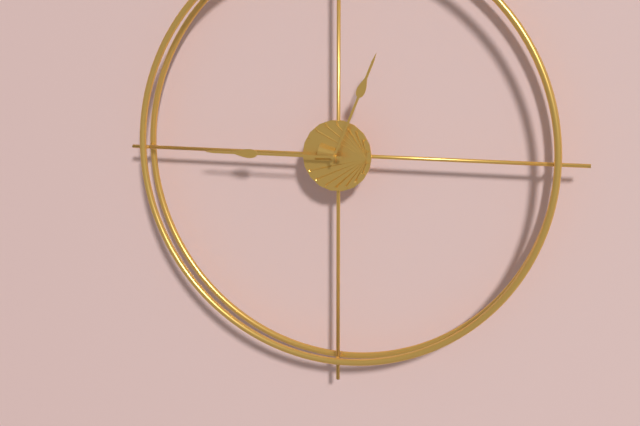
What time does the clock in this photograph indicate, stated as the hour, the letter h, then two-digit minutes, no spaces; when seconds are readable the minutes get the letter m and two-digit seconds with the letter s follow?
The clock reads 12h45
